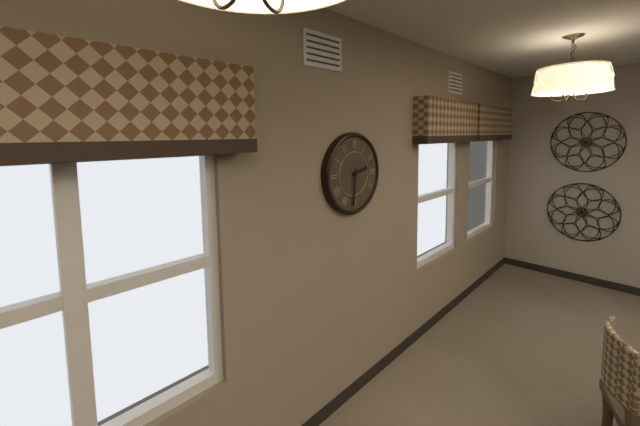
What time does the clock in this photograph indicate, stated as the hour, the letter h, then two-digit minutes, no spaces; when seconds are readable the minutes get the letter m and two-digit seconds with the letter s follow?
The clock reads 2h31
